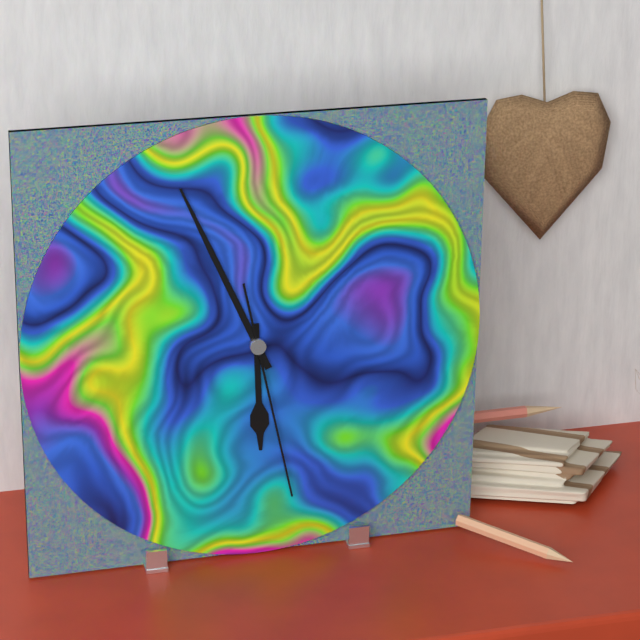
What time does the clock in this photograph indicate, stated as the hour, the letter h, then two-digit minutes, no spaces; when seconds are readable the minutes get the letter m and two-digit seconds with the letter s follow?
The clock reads 5h56m28s
